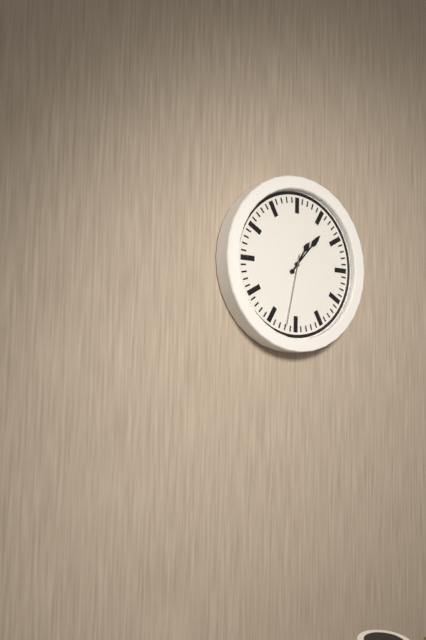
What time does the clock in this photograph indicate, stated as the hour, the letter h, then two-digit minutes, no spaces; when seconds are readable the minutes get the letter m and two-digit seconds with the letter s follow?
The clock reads 1h07m32s
